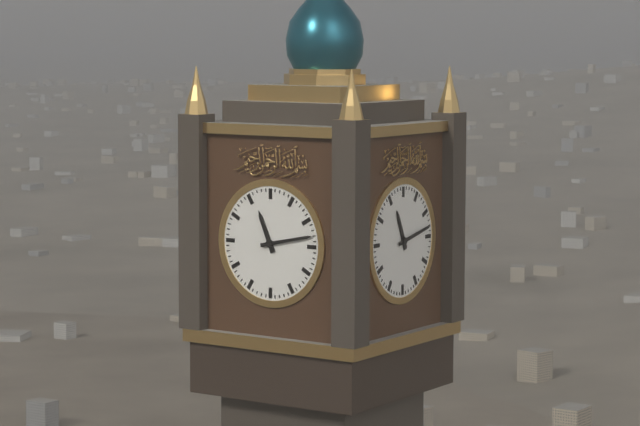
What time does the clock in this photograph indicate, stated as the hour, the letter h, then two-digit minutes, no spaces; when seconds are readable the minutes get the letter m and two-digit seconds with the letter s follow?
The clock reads 11h13
